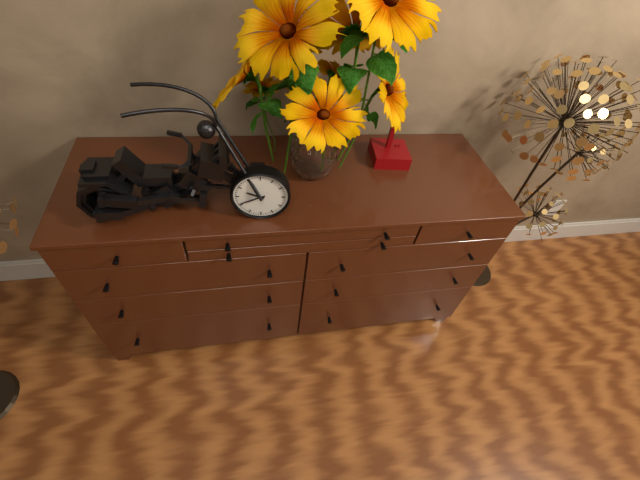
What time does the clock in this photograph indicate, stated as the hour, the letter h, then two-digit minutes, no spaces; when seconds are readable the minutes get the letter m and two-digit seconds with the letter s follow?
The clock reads 9h41
